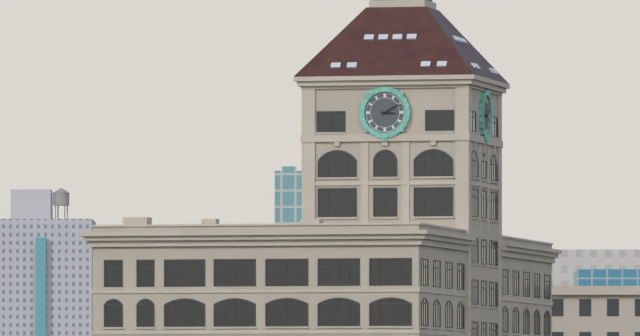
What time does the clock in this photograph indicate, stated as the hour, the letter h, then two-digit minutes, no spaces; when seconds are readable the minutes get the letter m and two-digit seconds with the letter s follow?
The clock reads 3h10
